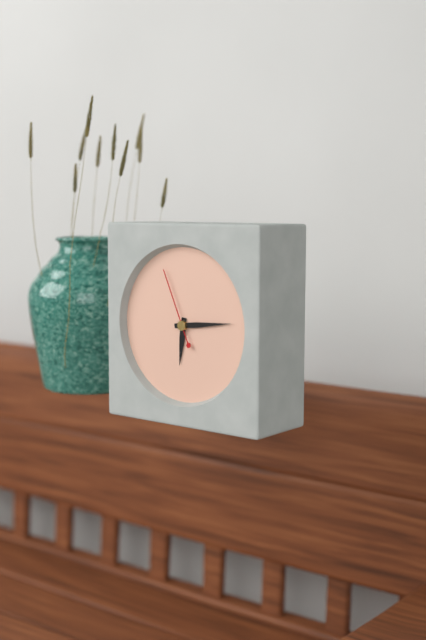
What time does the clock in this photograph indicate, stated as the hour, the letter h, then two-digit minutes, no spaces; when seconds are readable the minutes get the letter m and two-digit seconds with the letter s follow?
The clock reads 6h14m56s
